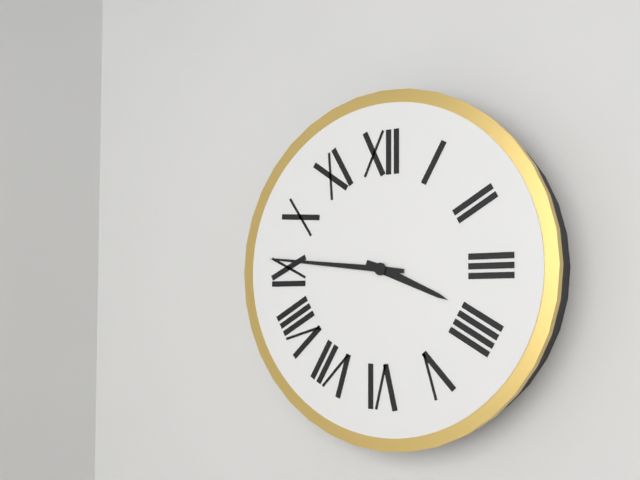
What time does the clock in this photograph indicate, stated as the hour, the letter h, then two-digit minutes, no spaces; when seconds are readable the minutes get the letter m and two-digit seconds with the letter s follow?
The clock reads 3h46
